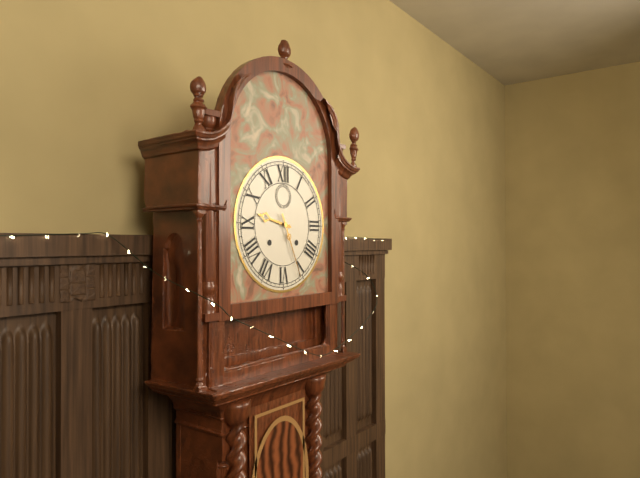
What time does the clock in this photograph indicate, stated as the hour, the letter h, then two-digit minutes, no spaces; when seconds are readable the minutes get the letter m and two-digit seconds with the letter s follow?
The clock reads 9h26
